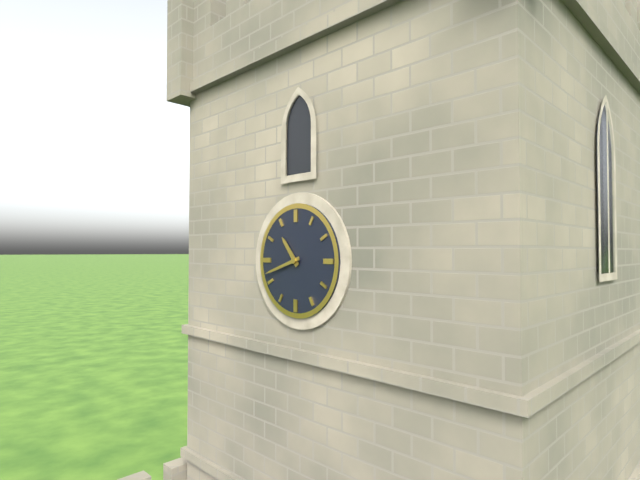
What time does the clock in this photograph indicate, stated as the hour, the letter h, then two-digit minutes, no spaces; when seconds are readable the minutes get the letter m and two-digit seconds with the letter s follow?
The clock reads 10h42
